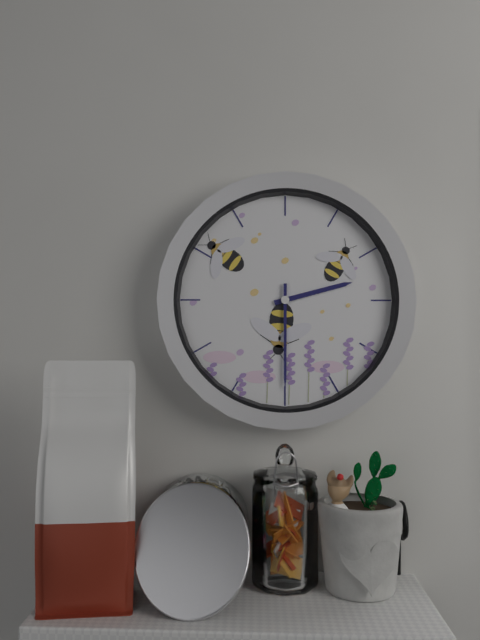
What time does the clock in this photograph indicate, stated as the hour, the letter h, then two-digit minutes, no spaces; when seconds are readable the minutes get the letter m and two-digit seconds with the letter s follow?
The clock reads 2h30
